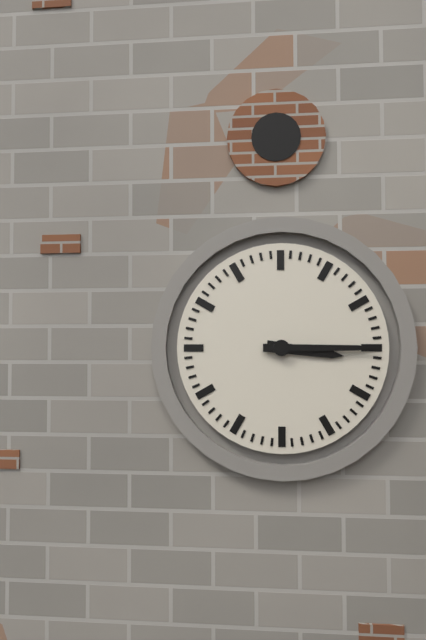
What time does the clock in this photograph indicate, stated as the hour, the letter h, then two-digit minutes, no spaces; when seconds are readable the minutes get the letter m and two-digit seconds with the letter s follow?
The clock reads 3h15
